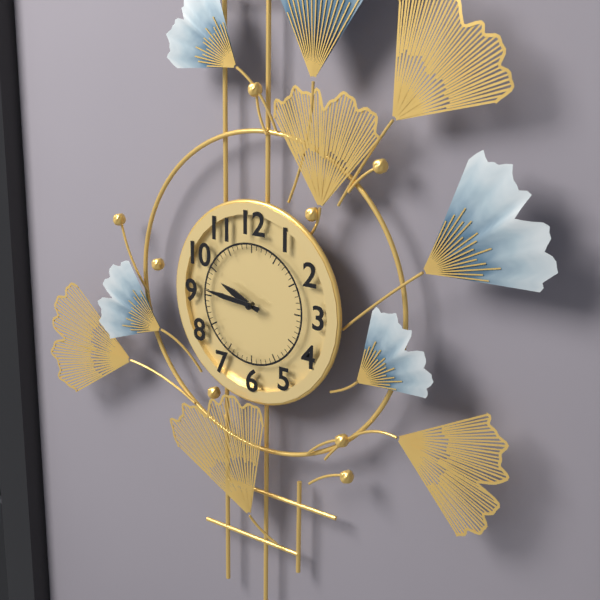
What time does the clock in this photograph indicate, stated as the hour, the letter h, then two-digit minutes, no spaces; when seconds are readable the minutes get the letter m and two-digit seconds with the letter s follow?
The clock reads 9h46
